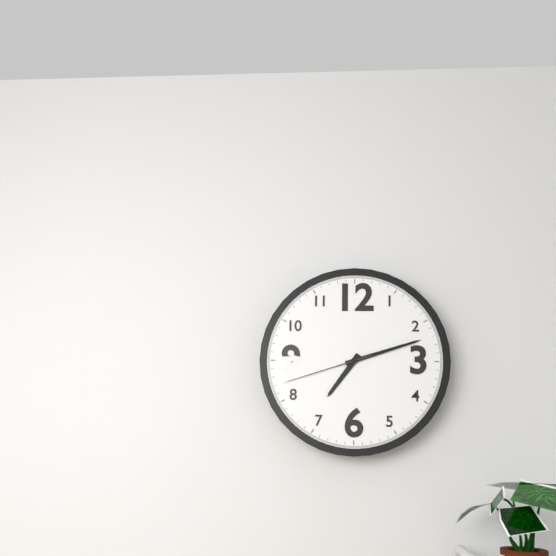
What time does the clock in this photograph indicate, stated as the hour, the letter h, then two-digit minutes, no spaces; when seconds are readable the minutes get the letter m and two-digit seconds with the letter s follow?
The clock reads 7h12m42s
